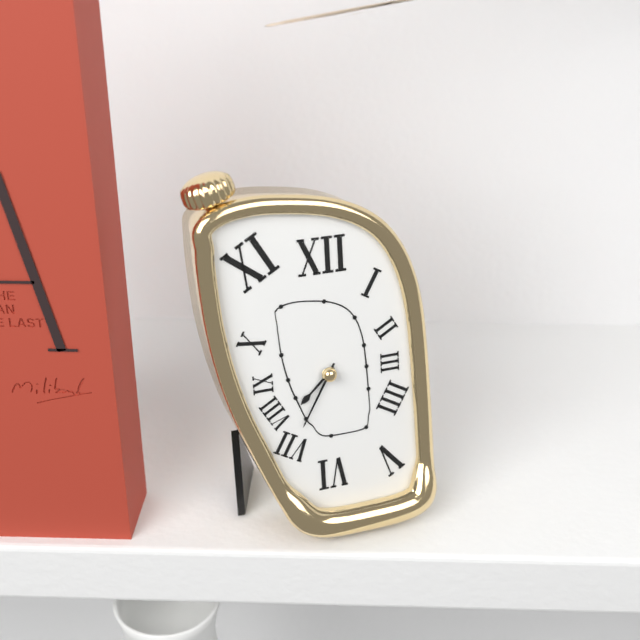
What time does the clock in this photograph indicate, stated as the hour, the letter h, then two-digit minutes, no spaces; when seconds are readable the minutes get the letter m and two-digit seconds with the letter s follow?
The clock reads 7h35
